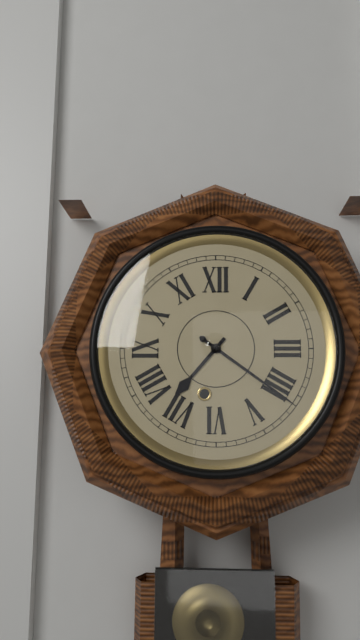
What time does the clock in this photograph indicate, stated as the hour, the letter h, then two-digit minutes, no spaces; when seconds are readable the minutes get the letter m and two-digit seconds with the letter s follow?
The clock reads 7h21
